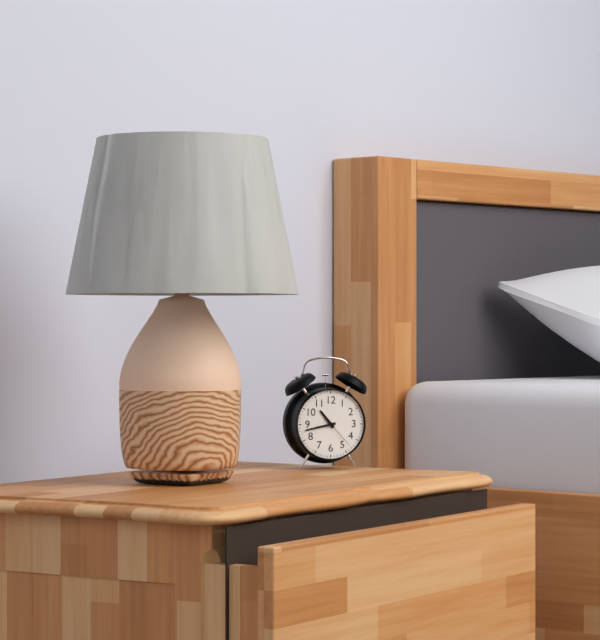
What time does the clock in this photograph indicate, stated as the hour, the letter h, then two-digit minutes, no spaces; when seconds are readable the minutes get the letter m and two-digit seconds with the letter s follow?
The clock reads 10h43
